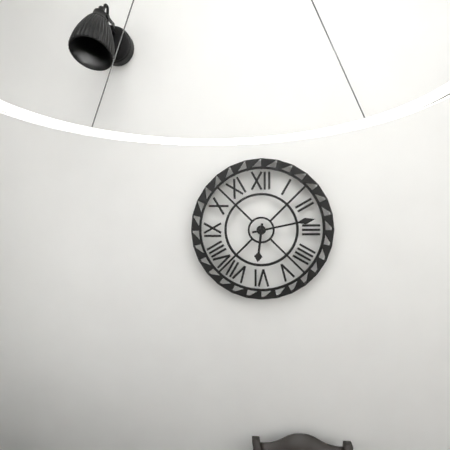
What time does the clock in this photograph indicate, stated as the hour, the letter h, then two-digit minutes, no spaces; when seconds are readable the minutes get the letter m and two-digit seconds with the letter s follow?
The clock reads 6h13
